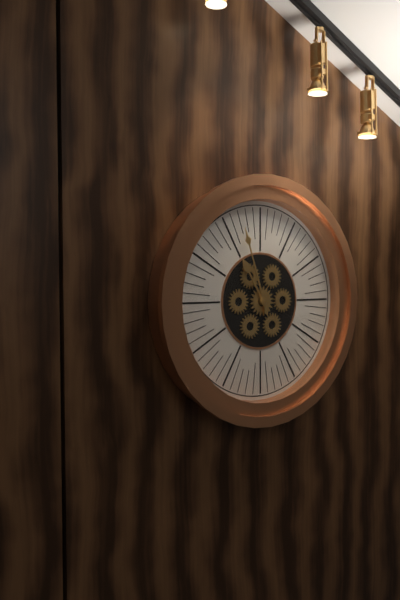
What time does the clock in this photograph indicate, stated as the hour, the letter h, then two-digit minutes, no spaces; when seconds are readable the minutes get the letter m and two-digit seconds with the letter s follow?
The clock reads 10h57
